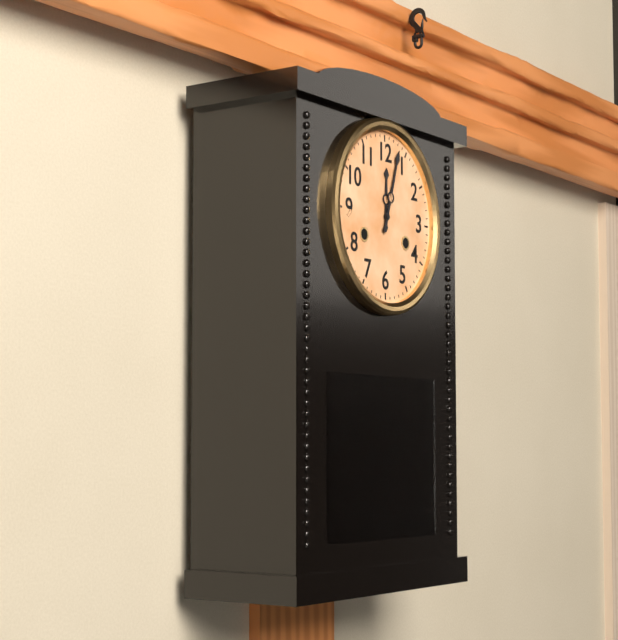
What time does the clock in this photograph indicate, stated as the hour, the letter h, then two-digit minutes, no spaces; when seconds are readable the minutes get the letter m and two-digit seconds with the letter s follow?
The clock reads 12h03
